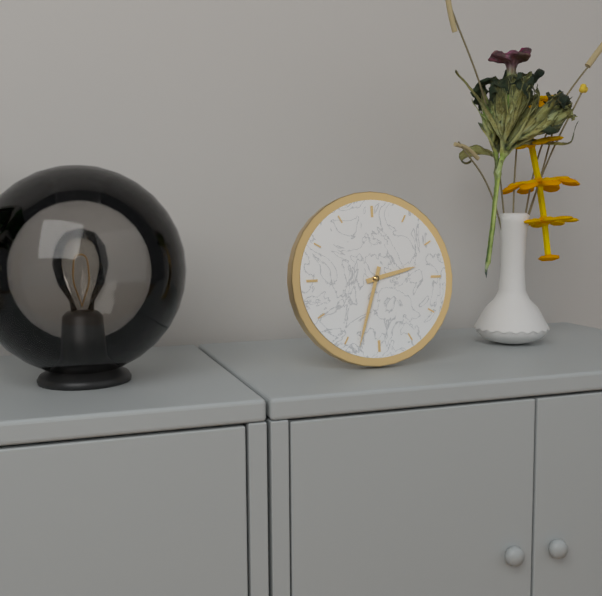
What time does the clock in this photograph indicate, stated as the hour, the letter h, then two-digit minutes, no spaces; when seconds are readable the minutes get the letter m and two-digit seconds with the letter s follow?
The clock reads 2h33
